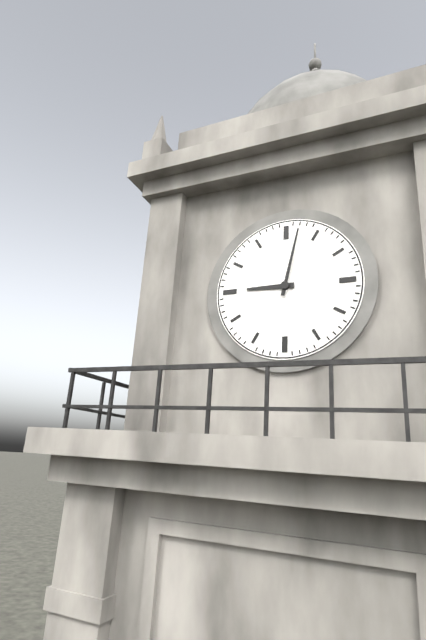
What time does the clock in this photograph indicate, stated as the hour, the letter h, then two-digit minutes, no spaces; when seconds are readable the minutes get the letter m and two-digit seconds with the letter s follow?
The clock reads 9h02
